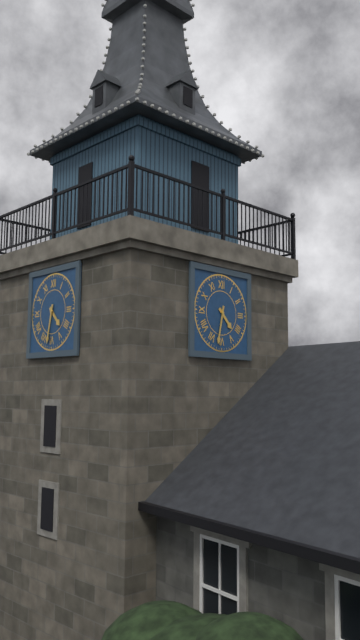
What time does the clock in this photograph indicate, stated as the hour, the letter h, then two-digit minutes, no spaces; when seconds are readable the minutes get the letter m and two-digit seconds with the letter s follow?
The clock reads 4h32
